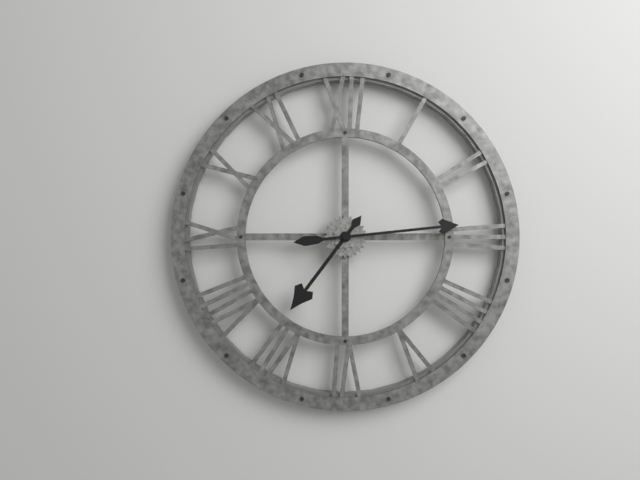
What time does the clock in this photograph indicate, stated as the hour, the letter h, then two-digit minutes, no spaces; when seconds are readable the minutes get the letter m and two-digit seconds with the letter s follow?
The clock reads 7h14
